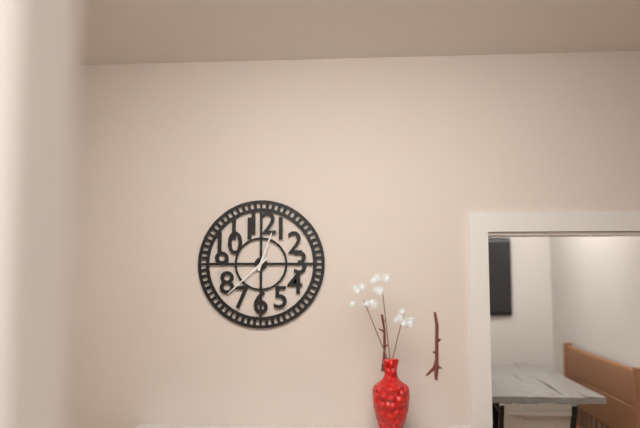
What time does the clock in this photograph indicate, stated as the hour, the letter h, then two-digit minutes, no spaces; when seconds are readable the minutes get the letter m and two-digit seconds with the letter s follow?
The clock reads 12h38
